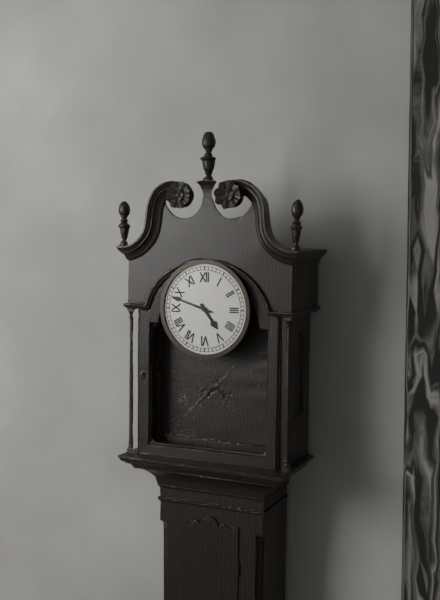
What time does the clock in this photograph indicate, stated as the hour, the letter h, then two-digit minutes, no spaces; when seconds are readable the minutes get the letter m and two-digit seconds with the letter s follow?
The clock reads 4h48
